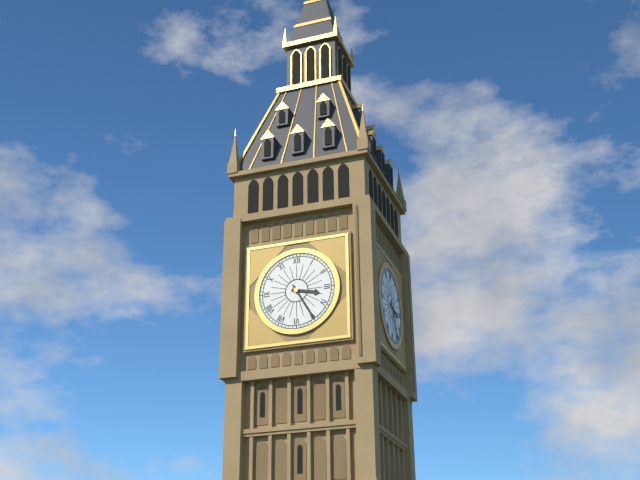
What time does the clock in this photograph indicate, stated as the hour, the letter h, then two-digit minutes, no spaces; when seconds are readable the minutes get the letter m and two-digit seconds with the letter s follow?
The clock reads 3h25
